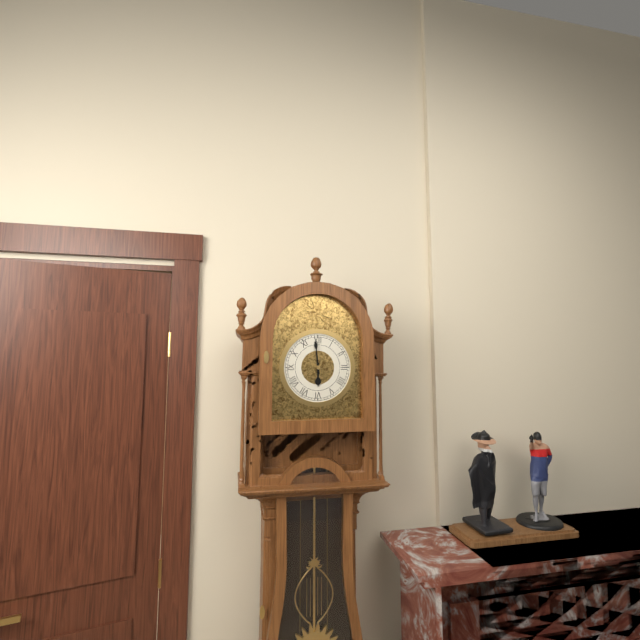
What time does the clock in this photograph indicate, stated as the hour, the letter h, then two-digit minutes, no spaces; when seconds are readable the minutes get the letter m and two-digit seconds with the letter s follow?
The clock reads 5h59
